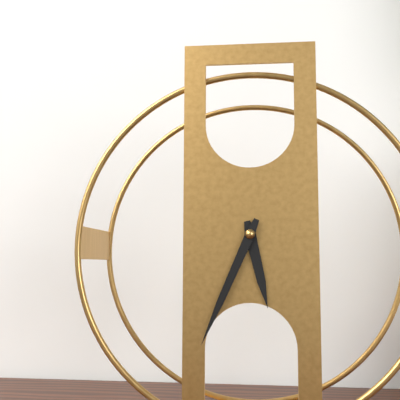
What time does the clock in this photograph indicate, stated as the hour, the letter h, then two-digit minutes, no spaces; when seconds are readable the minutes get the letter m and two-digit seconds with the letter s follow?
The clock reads 5h34
